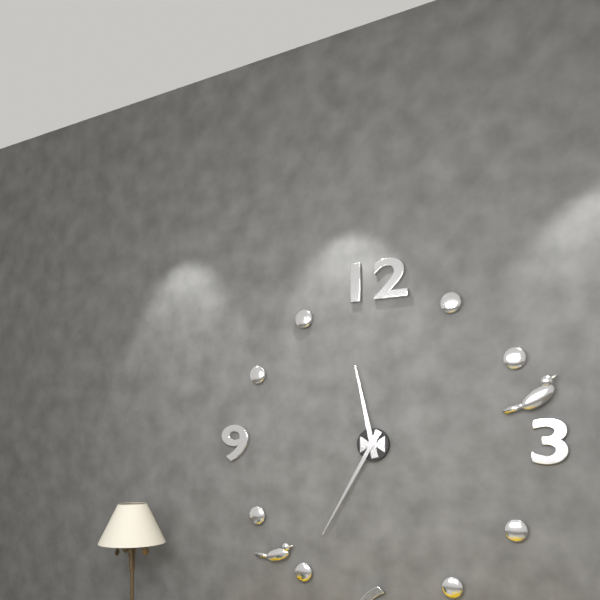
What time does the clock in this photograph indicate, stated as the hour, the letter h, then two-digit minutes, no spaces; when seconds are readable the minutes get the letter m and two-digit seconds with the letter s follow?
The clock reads 11h35
